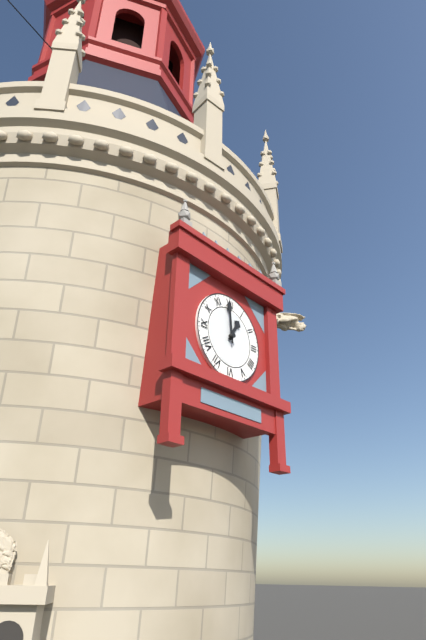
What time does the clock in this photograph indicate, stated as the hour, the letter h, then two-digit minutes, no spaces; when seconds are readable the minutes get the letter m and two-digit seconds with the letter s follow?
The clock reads 12h59
